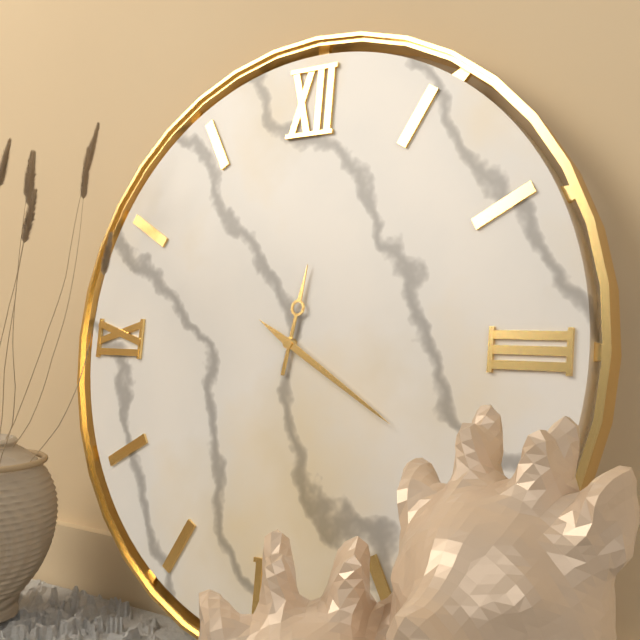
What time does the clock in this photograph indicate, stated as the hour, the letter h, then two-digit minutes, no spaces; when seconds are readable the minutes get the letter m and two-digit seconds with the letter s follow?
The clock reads 12h20
